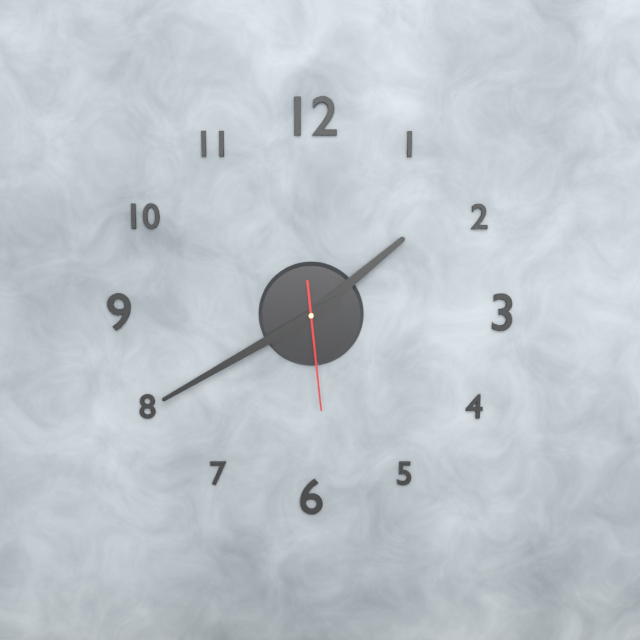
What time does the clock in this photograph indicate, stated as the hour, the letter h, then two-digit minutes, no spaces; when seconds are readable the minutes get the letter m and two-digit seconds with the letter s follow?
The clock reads 1h40m29s
